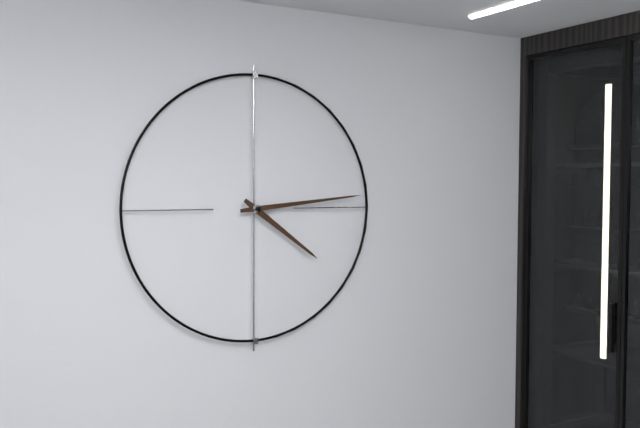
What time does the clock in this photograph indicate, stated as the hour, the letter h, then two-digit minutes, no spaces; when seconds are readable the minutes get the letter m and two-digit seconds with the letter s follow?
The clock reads 4h14
